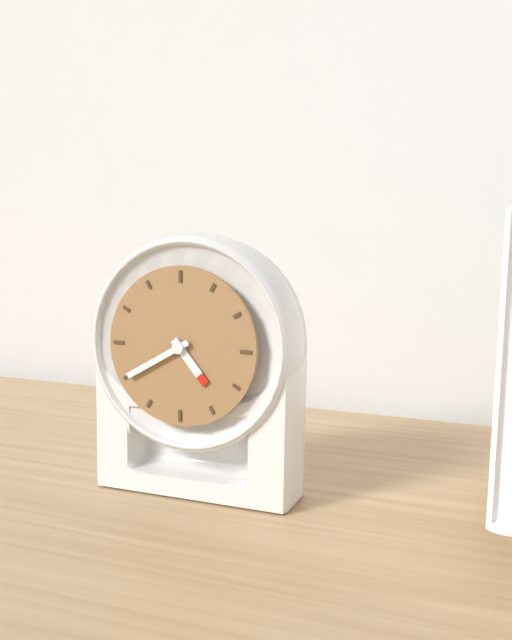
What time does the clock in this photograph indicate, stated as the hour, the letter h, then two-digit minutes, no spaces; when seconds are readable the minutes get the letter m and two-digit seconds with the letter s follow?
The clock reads 4h40
